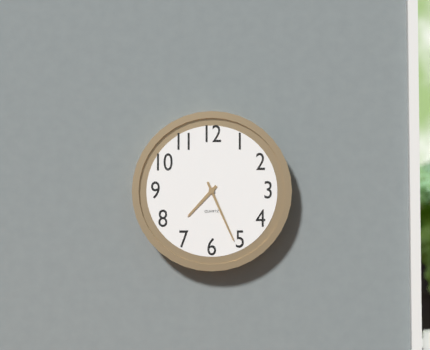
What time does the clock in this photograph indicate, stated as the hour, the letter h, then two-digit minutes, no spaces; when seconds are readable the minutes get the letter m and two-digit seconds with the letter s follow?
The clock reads 7h26
